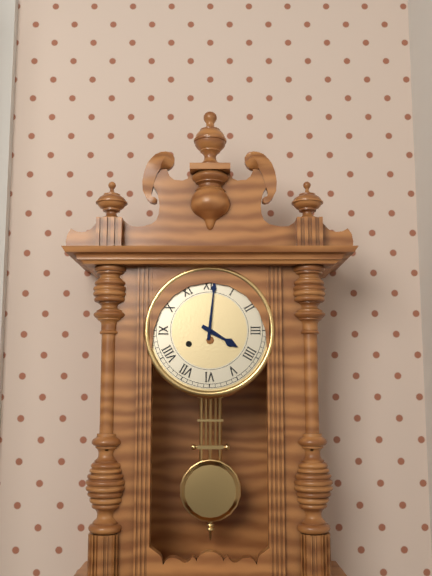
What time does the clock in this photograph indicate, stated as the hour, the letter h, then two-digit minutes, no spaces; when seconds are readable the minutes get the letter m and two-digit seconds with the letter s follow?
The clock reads 4h01
